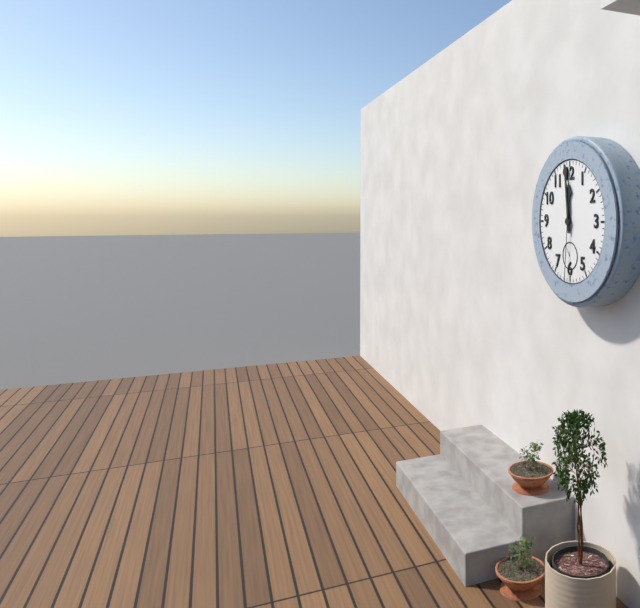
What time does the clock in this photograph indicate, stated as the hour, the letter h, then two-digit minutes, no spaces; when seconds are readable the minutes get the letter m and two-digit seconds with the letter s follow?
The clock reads 11h59m31s
